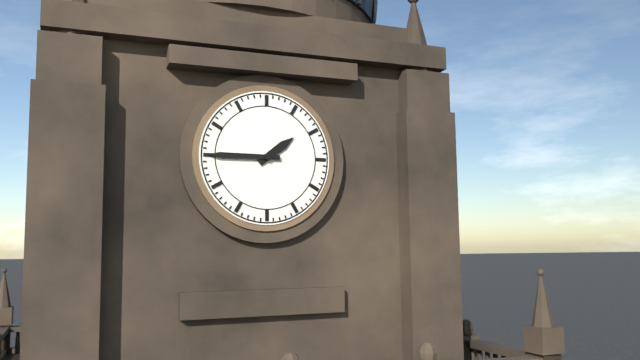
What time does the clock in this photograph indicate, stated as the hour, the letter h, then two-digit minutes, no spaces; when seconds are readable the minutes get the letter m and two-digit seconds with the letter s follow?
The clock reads 1h45
